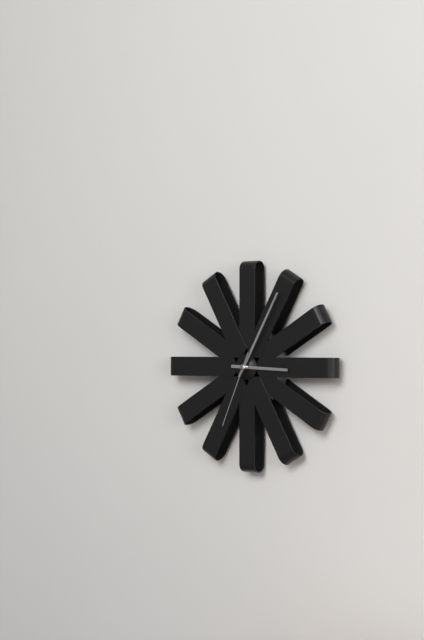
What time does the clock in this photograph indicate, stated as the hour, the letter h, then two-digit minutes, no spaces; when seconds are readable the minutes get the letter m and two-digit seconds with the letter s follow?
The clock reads 3h05m34s
